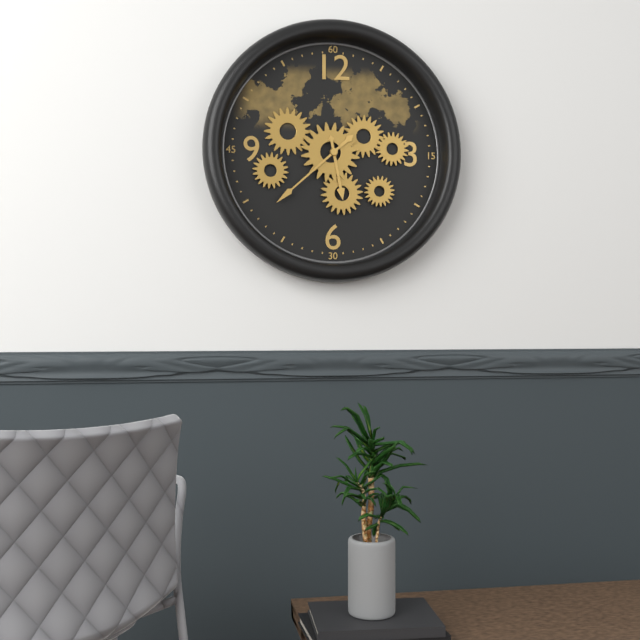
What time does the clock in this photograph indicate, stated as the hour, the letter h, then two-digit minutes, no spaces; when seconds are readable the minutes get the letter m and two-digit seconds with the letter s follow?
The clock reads 5h38
